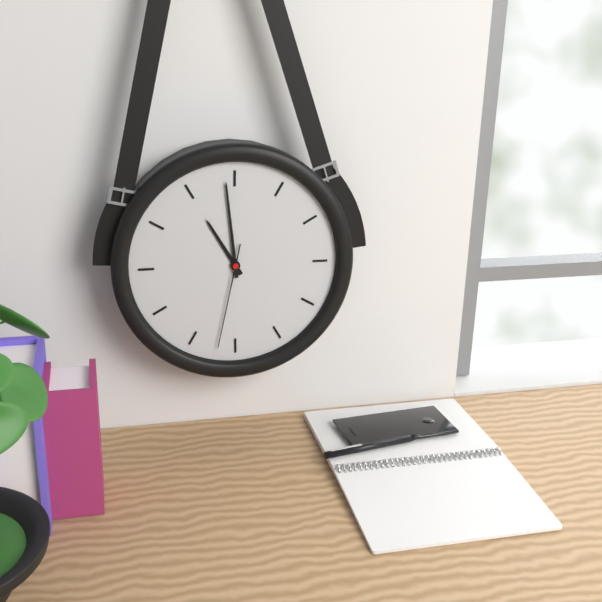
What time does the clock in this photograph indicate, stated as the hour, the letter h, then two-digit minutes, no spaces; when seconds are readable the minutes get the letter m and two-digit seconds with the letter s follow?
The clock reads 10h59m32s
